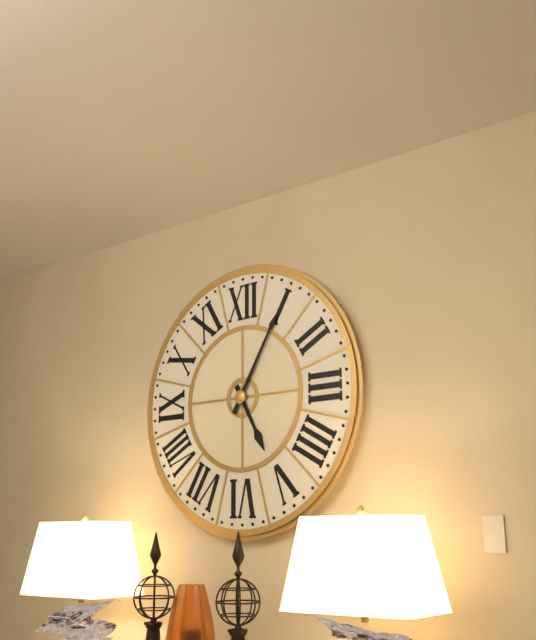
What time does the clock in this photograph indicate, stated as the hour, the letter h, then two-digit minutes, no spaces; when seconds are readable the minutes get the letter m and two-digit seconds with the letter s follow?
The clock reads 5h05
